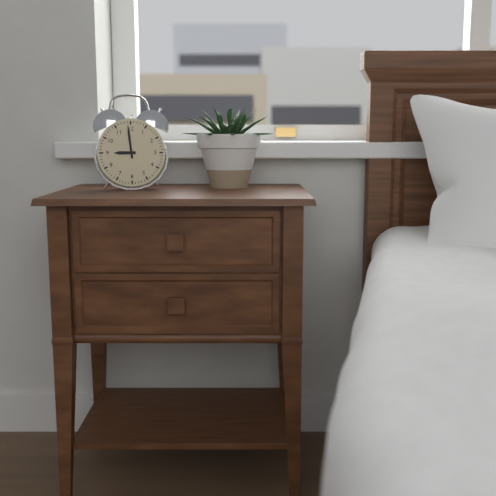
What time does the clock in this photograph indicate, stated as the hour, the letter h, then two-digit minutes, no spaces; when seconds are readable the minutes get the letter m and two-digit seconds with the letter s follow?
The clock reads 8h59
